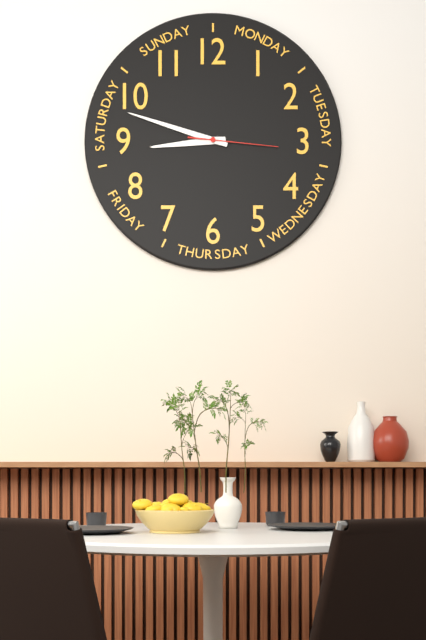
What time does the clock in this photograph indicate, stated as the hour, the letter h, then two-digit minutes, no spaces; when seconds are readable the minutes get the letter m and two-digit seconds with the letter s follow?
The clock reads 8h48m16s
